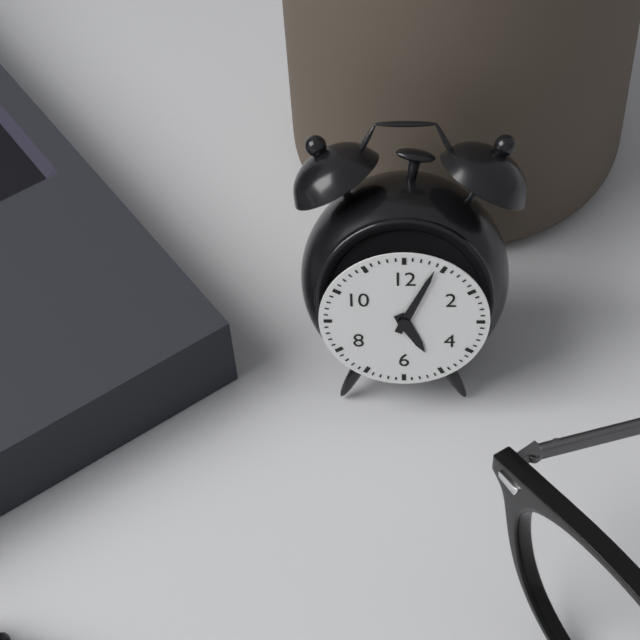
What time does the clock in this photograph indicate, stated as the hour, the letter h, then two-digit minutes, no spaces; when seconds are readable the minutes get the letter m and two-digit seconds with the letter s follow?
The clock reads 5h04
